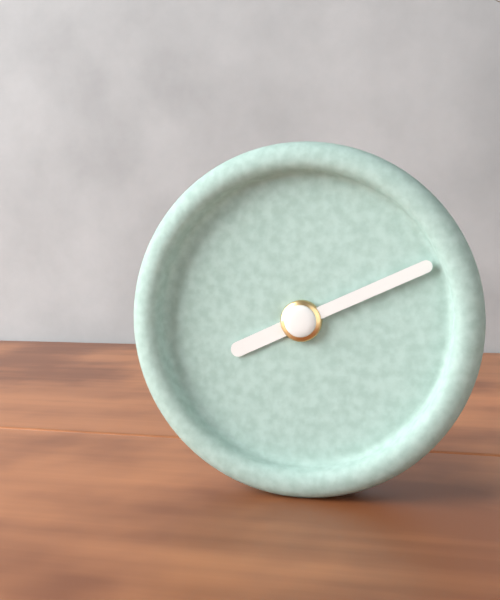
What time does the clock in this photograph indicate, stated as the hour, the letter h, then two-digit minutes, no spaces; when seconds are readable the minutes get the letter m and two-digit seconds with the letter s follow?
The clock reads 8h11
